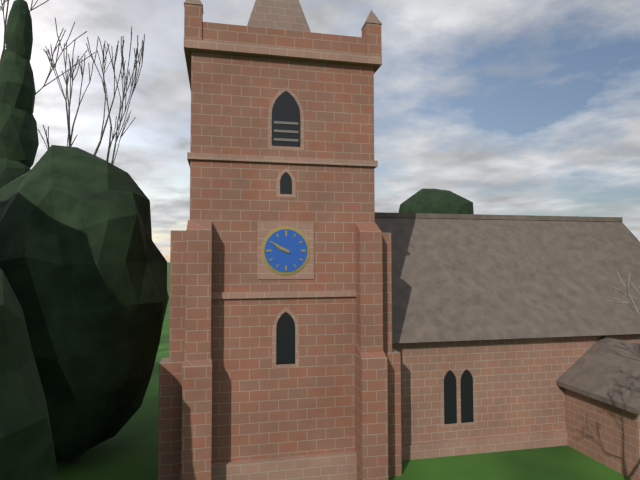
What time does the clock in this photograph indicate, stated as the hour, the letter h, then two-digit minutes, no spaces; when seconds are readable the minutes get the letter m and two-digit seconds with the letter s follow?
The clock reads 9h50
